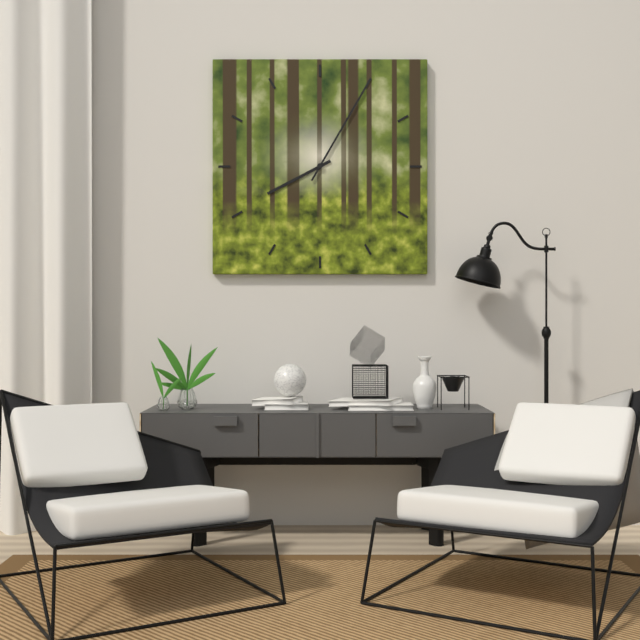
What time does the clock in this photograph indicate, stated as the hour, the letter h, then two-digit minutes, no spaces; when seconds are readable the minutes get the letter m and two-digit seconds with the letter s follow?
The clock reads 8h05
